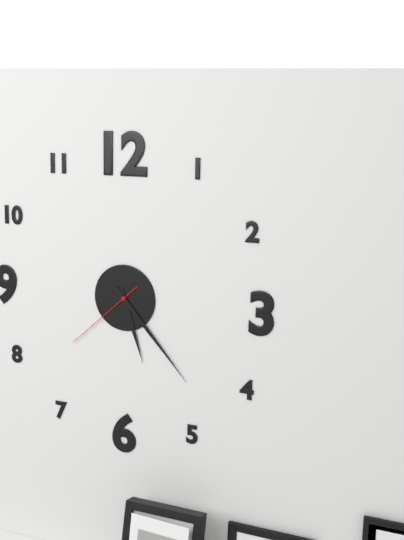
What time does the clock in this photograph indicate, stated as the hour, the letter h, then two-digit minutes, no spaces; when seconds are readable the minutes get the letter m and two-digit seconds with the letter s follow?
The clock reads 5h23m38s
